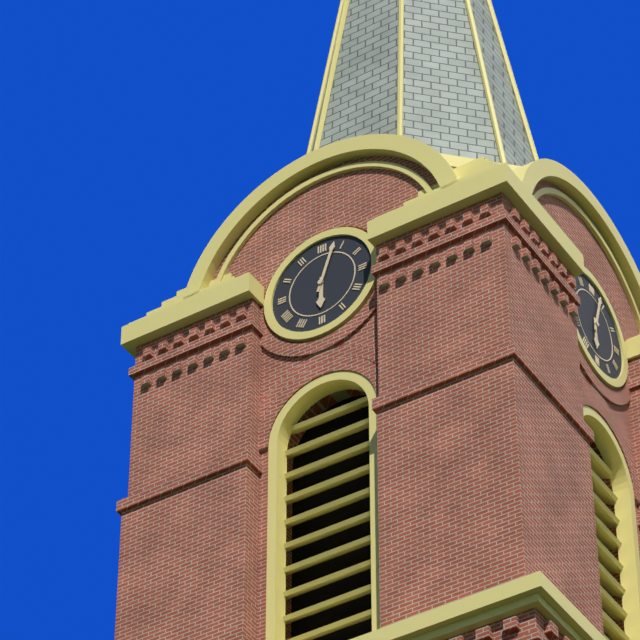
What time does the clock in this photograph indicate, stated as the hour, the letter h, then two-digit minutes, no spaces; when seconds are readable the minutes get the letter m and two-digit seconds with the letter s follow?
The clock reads 6h03
